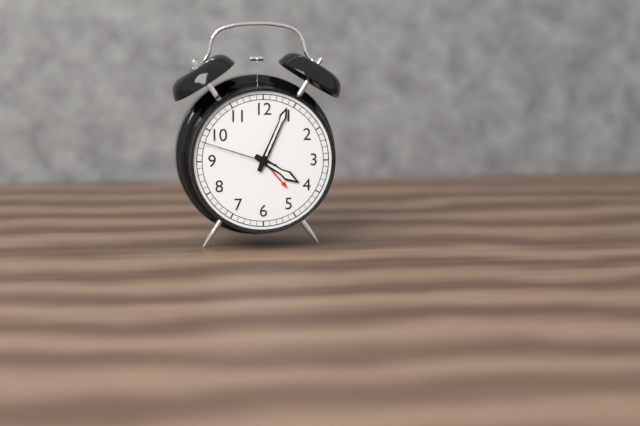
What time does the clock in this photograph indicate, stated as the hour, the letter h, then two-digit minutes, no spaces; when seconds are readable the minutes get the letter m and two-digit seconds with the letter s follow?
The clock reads 4h04m48s
